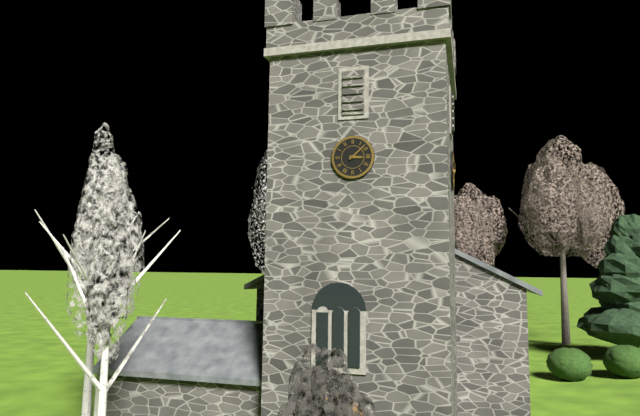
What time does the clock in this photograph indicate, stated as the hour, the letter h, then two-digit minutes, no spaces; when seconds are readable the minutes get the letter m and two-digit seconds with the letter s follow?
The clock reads 3h08
